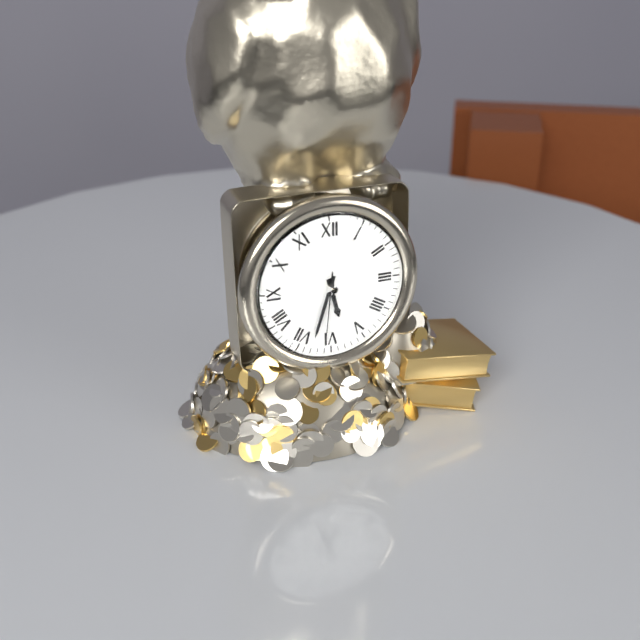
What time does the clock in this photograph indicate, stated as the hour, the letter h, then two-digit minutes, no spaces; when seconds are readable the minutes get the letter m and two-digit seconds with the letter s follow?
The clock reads 5h33m31s
